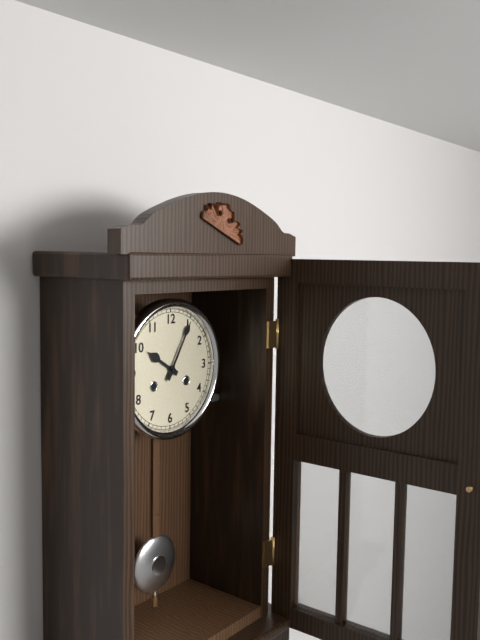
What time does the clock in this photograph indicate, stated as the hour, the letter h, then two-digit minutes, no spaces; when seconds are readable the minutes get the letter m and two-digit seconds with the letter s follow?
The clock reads 10h05
